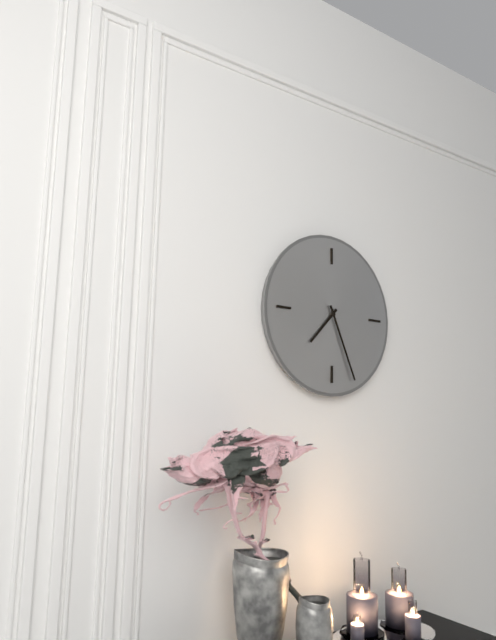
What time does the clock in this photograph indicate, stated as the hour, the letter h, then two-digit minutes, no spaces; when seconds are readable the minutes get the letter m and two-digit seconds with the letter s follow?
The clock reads 7h26
